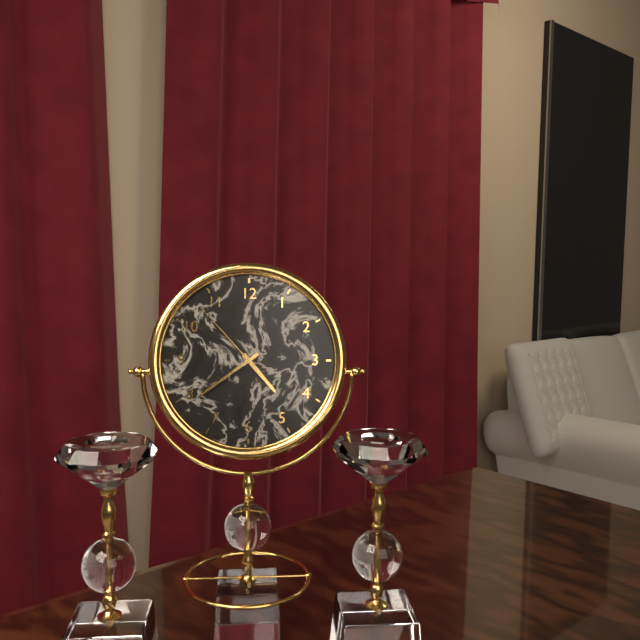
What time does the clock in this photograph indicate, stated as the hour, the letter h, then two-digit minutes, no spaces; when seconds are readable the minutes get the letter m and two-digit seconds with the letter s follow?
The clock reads 4h39m53s
